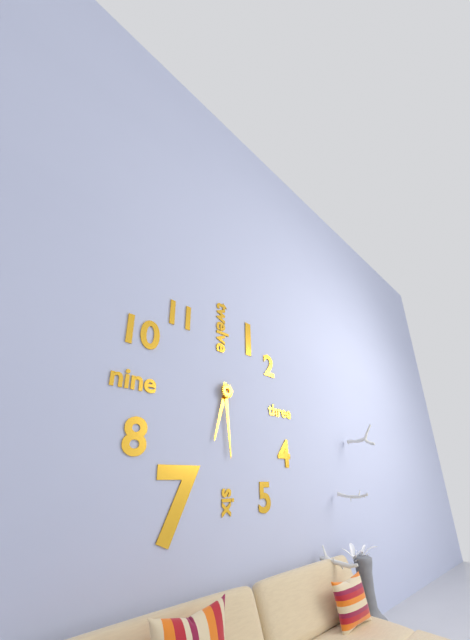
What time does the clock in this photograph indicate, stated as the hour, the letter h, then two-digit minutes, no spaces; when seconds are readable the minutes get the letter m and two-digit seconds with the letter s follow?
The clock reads 6h29
